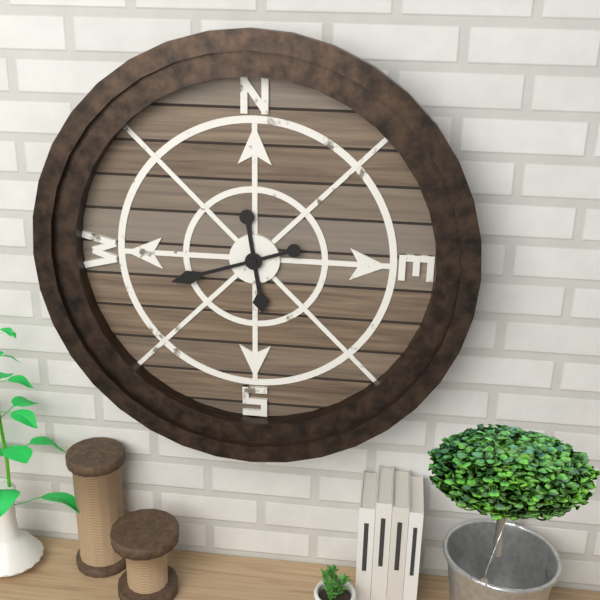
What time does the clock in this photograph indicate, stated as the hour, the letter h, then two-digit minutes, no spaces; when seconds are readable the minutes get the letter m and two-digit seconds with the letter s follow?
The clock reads 5h42
